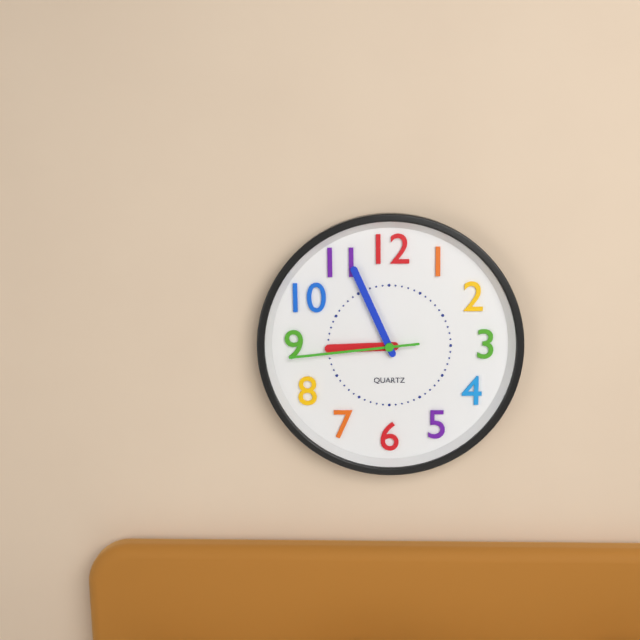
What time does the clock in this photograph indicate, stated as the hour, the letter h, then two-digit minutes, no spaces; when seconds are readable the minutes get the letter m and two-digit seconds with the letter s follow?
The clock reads 8h56m44s
